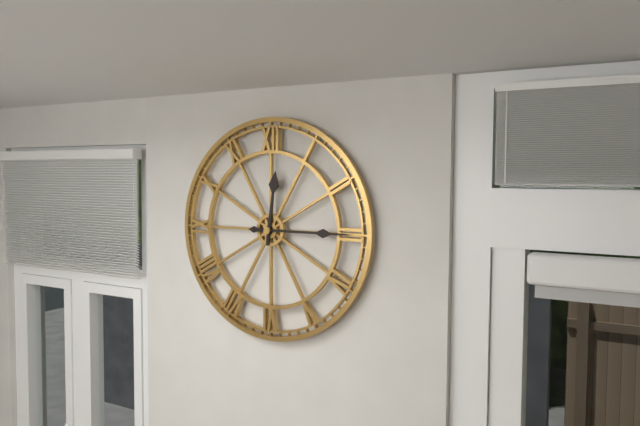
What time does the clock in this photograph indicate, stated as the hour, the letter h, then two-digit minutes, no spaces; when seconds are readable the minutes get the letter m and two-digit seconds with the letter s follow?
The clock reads 12h15
